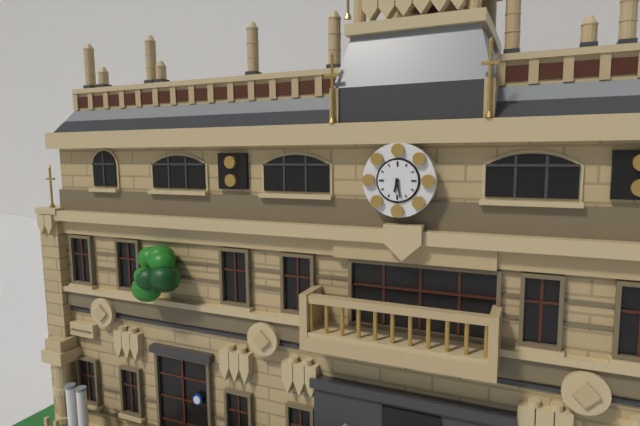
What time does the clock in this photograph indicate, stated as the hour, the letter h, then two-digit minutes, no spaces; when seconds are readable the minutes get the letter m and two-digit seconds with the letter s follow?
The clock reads 6h28
